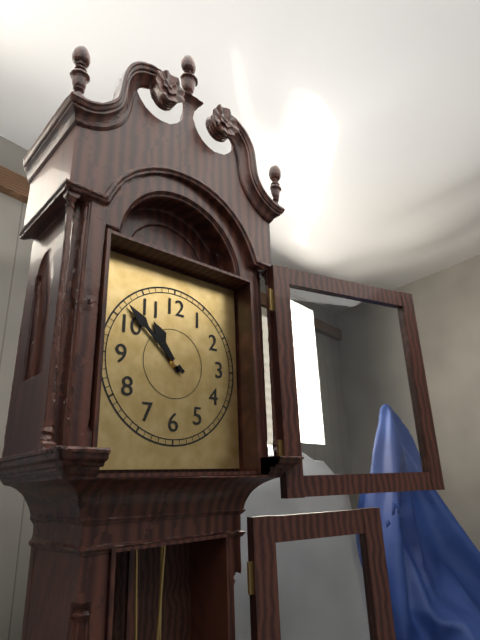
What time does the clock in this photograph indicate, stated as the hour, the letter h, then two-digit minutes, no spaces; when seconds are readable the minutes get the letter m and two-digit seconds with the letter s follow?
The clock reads 10h52
